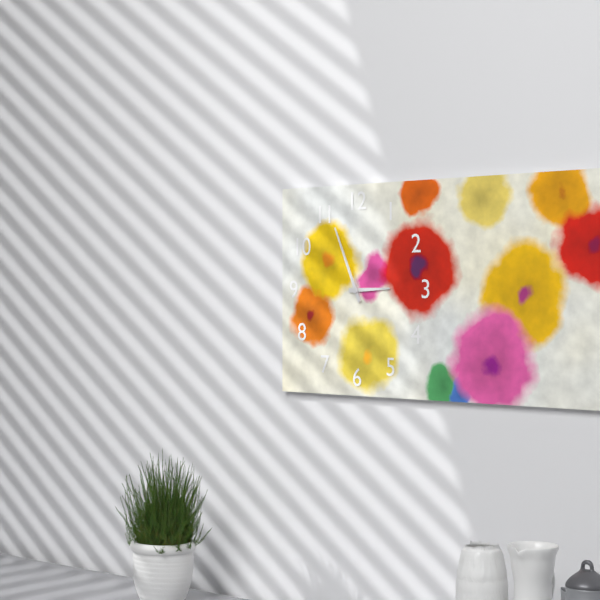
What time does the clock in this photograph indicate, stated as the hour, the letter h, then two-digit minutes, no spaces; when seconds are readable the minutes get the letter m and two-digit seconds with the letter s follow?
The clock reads 2h56
